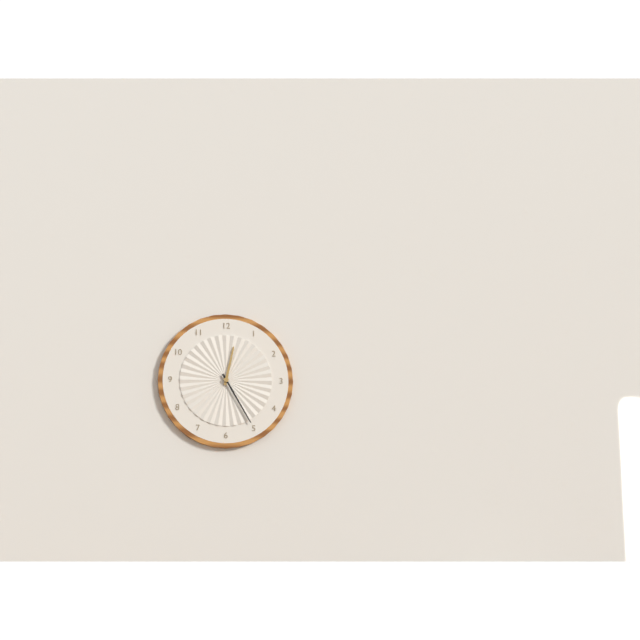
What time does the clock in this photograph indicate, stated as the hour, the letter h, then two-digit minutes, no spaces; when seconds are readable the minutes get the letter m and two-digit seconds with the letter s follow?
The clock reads 12h25
